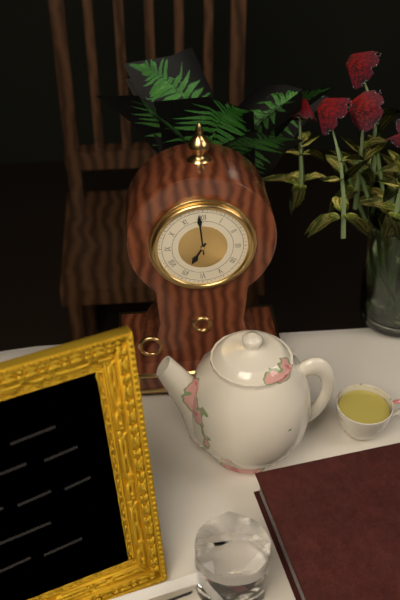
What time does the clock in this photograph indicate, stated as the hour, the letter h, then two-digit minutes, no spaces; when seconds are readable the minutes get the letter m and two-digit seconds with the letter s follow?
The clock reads 6h59
